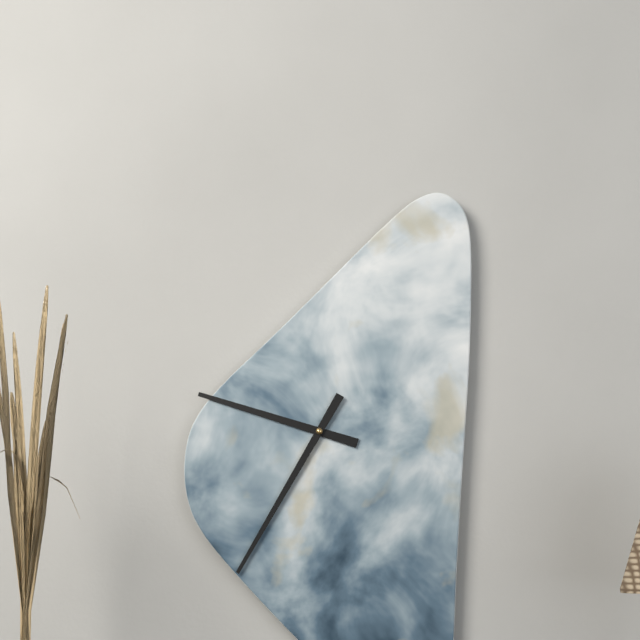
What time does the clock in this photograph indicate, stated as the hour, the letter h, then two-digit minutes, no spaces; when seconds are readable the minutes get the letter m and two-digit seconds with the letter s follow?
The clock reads 9h35
